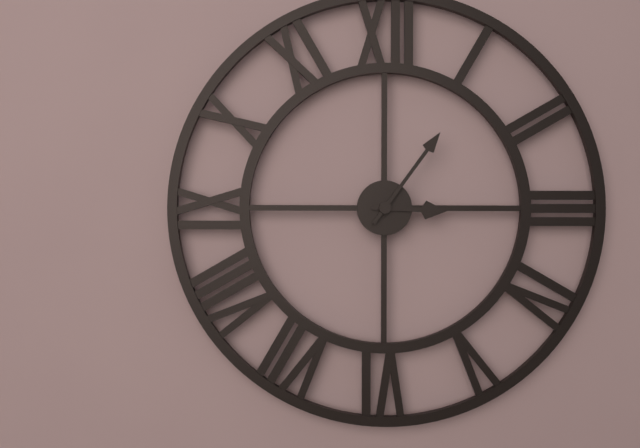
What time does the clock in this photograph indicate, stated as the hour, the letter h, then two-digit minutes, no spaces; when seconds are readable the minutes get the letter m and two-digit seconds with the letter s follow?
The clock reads 3h06
